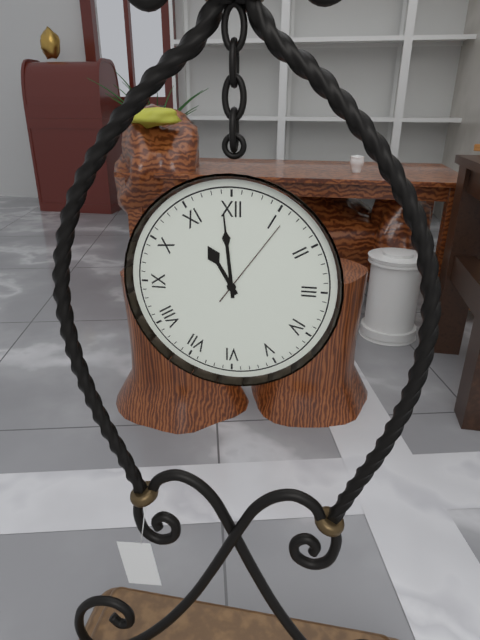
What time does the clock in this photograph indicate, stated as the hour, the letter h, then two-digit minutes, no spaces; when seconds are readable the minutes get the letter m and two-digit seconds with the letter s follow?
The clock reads 10h59m06s
